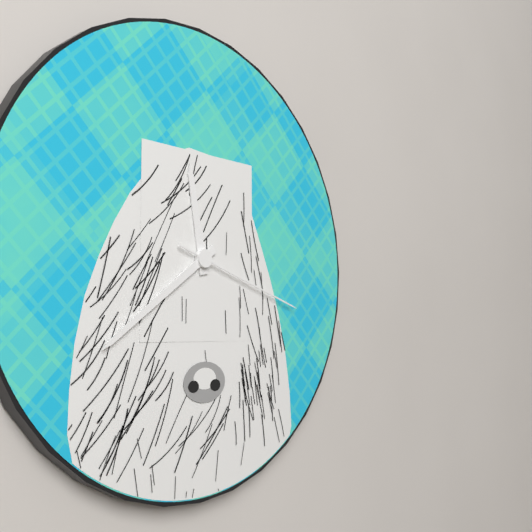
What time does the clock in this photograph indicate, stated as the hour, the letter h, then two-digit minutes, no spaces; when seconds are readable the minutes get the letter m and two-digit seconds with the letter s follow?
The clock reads 11h39m18s
